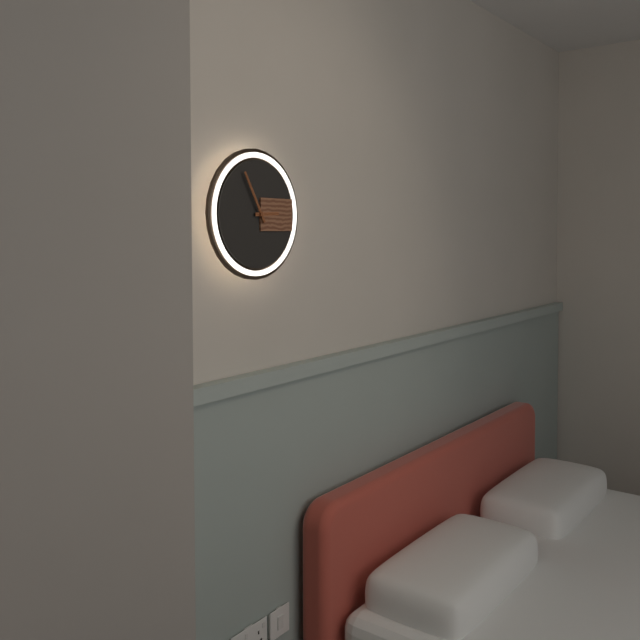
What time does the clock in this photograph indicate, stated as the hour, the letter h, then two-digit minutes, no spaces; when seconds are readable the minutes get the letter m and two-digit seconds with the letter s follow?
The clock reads 2h55
